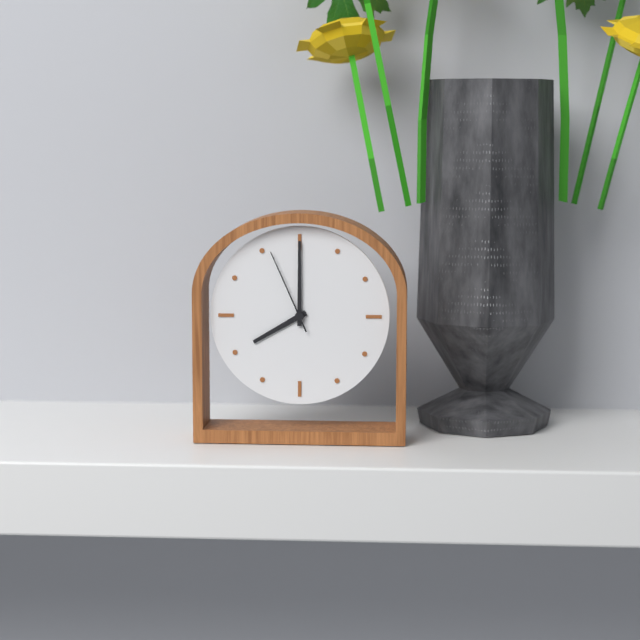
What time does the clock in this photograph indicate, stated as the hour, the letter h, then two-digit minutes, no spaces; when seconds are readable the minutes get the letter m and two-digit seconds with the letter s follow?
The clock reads 8h00m56s
